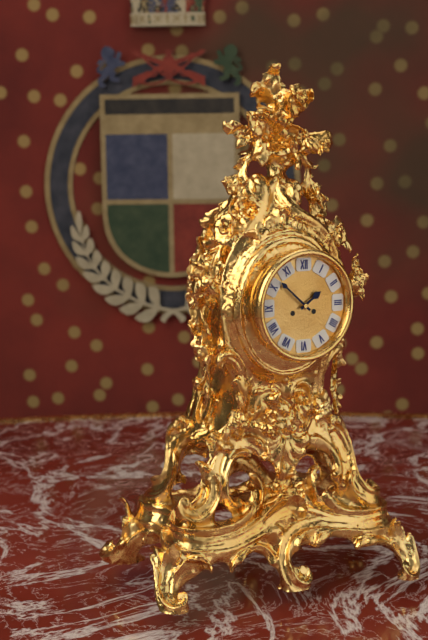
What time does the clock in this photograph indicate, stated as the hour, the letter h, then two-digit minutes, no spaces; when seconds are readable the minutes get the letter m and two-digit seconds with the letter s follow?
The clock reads 1h52
